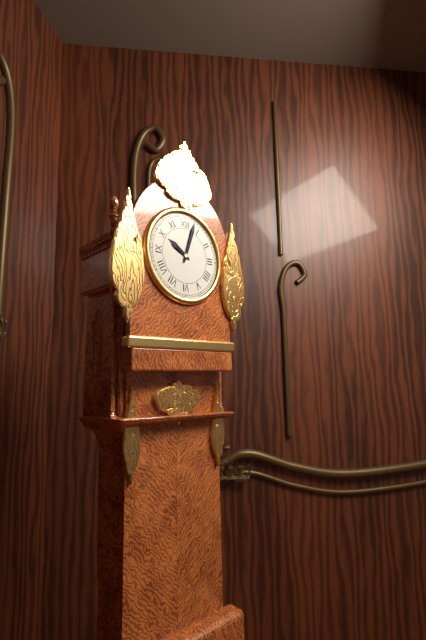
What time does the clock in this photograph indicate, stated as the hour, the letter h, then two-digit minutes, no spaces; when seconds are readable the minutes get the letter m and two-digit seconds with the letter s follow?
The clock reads 10h03
